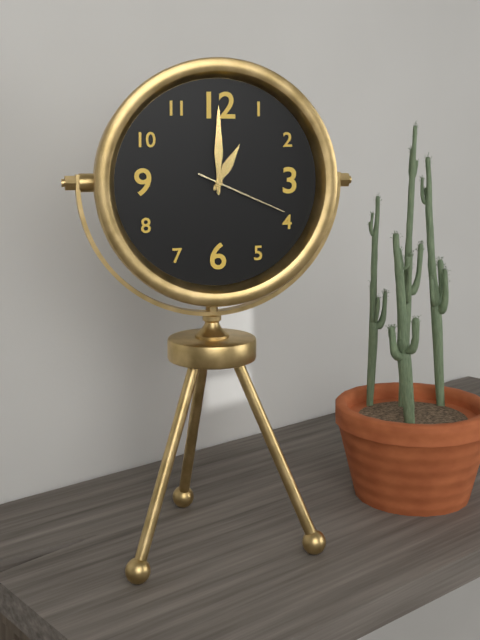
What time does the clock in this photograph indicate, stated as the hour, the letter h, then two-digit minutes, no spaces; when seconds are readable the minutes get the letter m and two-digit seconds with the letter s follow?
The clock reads 1h00m19s
